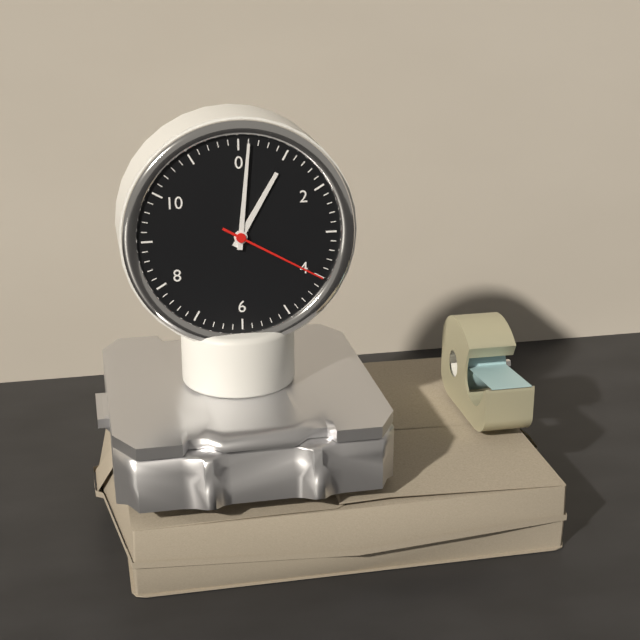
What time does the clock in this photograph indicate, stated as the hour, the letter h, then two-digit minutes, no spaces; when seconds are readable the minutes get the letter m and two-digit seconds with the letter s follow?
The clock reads 1h01m20s
